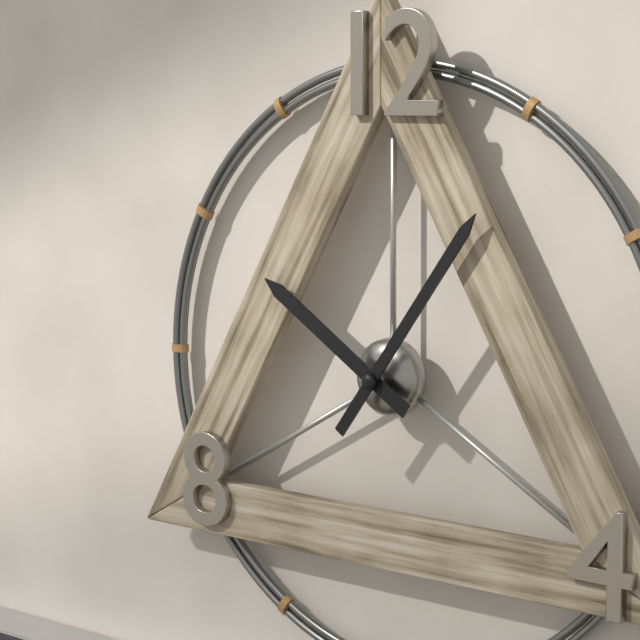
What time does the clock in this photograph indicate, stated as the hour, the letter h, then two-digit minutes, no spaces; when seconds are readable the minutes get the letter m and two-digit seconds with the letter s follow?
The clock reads 10h06
